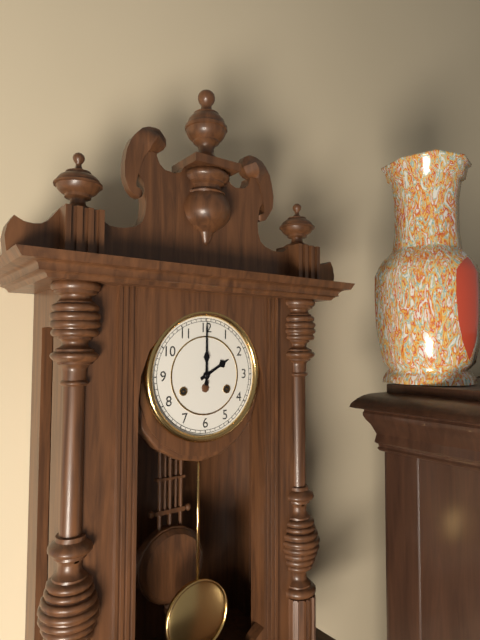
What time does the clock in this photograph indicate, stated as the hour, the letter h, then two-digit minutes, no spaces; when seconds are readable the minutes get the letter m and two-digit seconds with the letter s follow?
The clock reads 2h00
